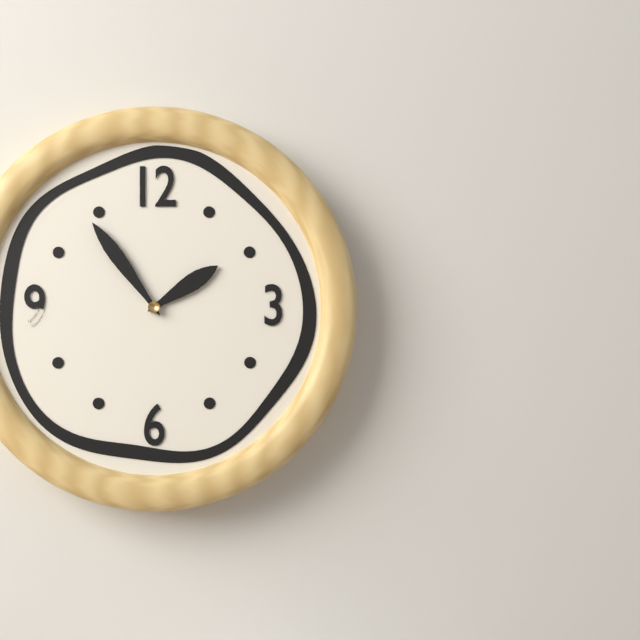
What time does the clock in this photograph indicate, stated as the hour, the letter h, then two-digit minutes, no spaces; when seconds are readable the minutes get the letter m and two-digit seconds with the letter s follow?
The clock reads 1h54
